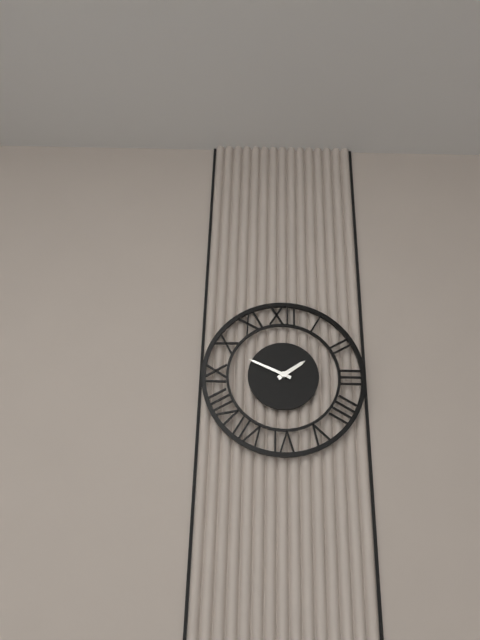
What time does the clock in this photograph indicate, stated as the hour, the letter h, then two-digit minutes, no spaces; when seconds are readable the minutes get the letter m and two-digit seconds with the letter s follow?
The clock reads 1h49
